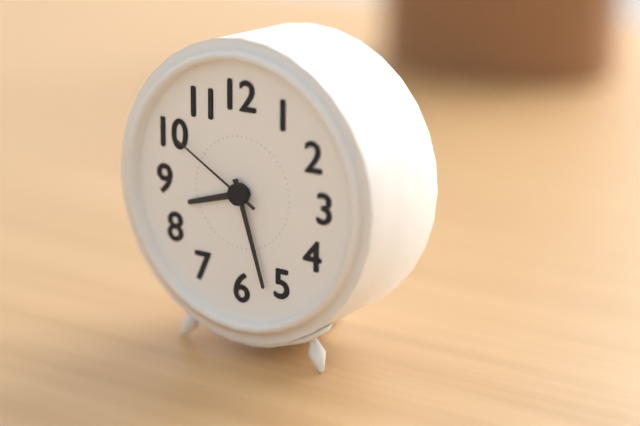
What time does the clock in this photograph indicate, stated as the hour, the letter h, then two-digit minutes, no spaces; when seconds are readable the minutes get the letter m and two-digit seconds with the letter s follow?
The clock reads 8h27m50s
